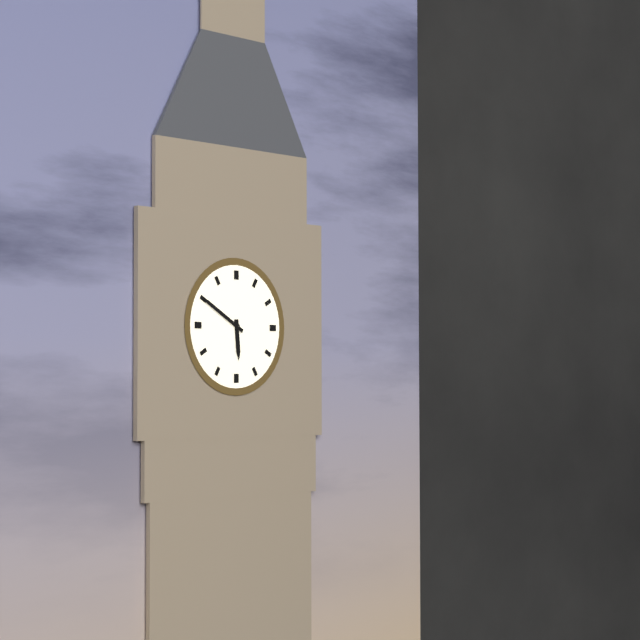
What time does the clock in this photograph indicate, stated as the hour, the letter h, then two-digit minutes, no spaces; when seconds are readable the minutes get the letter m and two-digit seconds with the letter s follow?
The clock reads 5h50
